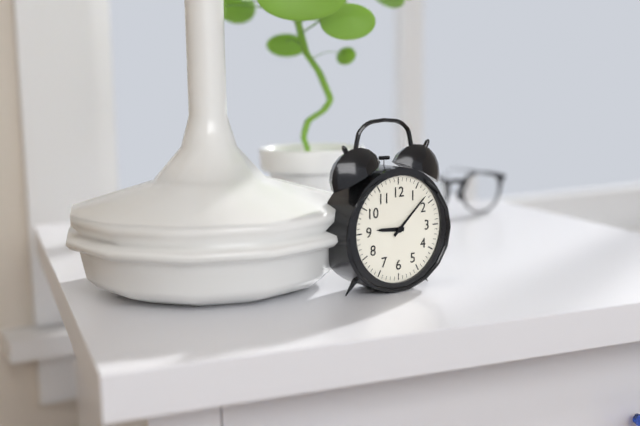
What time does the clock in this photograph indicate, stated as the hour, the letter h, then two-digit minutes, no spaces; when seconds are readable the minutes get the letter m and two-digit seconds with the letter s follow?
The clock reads 9h08
